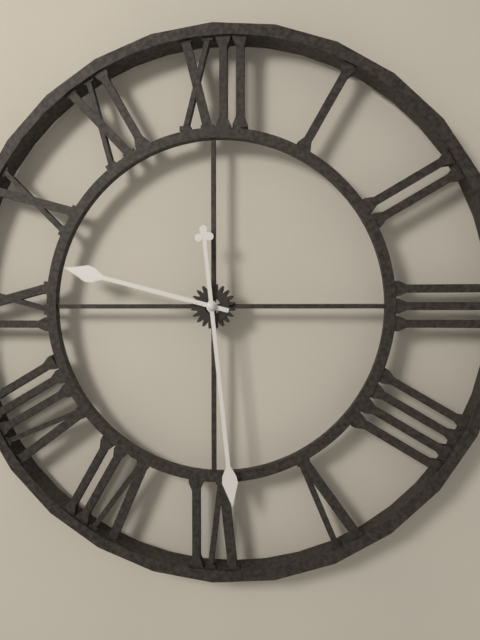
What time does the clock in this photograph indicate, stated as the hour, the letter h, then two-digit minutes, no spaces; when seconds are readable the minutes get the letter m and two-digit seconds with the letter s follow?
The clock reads 9h29
